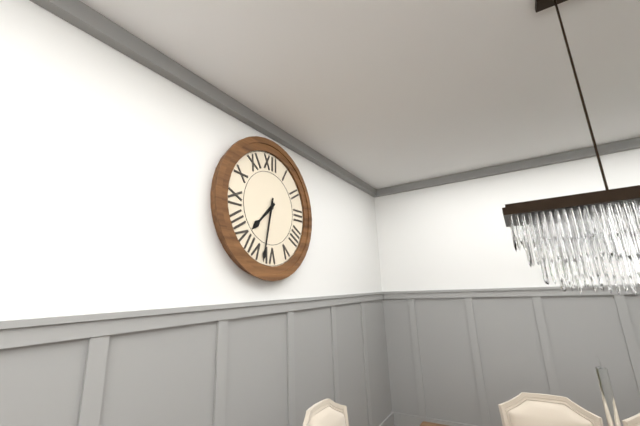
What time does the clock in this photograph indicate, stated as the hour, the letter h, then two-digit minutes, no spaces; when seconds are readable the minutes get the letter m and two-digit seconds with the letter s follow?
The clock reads 7h32
